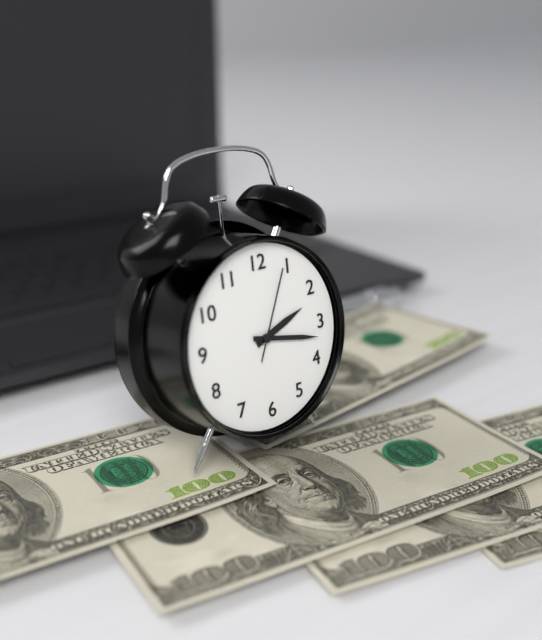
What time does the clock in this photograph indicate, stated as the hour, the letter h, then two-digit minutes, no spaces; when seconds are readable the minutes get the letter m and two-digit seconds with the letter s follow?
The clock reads 2h17m04s
